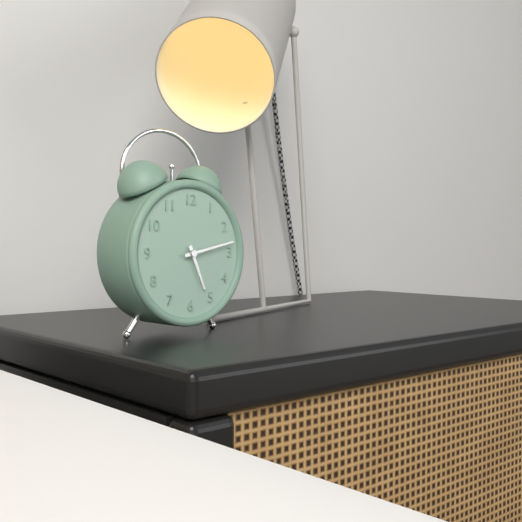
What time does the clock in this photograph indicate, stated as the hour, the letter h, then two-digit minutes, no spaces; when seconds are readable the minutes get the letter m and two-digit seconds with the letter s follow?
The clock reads 5h13
